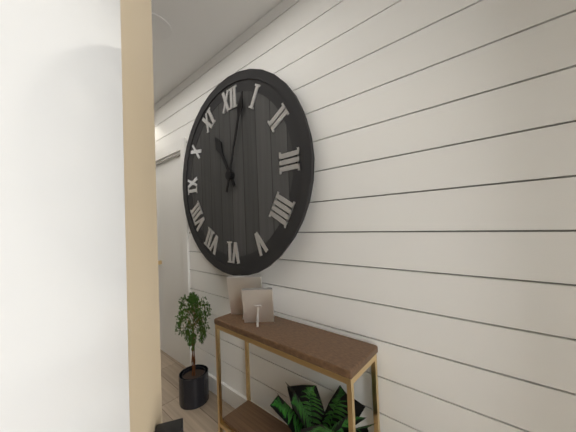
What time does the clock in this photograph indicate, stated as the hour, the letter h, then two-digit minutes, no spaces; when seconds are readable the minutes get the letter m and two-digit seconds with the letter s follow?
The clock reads 11h03
